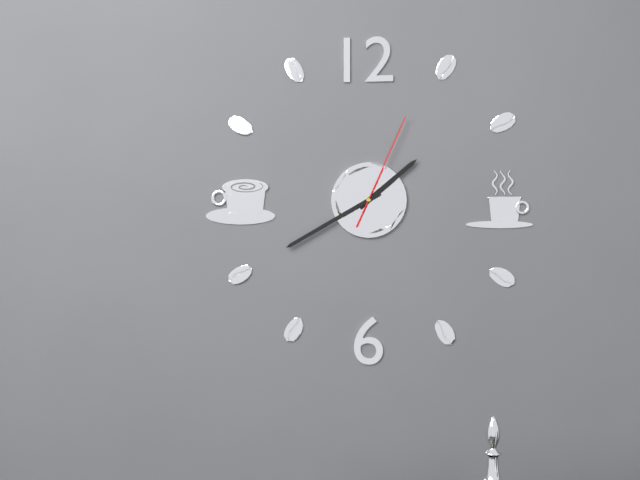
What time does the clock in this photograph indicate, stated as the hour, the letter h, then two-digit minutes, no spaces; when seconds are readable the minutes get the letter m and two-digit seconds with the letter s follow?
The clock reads 1h40m04s
